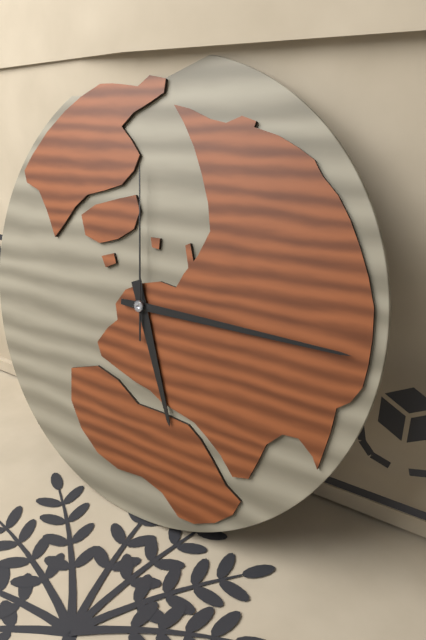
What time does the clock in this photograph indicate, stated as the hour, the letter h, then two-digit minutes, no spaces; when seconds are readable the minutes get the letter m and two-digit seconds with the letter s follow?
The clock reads 5h15m59s
